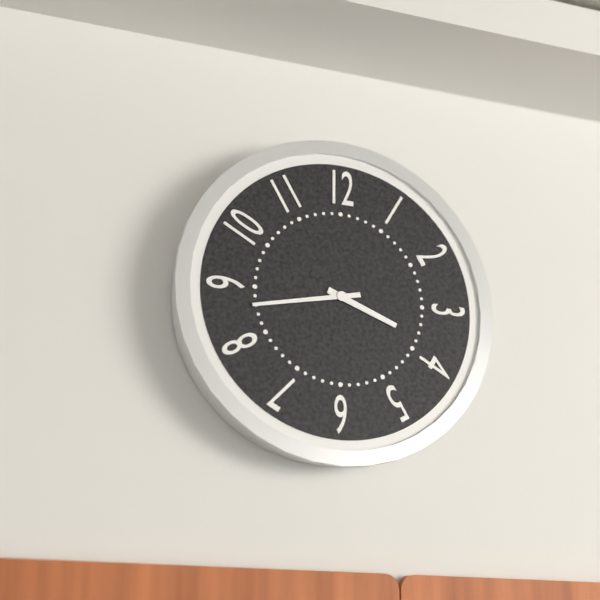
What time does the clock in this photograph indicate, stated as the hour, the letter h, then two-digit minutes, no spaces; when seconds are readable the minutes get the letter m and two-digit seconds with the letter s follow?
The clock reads 3h43
